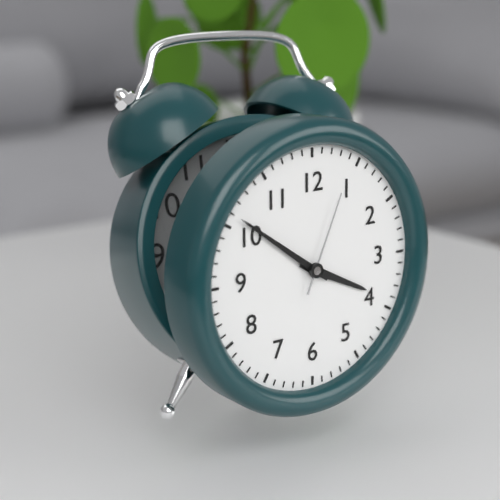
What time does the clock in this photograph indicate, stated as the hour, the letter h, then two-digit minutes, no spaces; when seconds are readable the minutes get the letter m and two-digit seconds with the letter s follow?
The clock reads 3h51m04s
